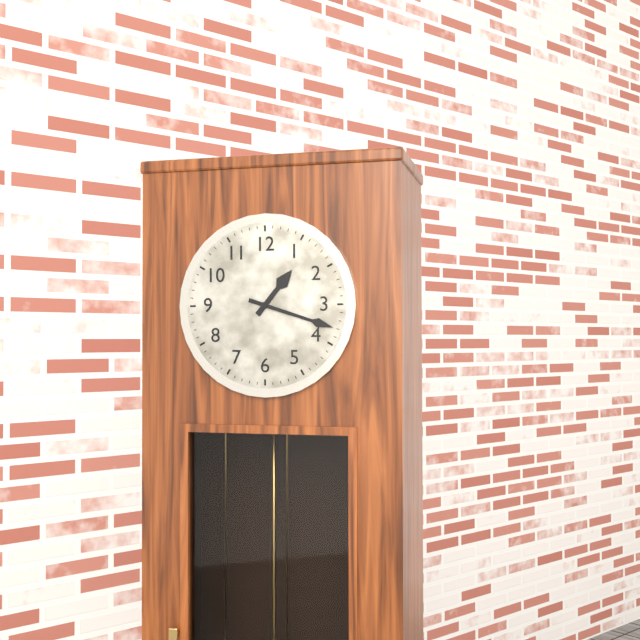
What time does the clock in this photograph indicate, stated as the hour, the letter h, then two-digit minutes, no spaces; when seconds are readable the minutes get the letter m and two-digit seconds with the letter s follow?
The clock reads 1h18
